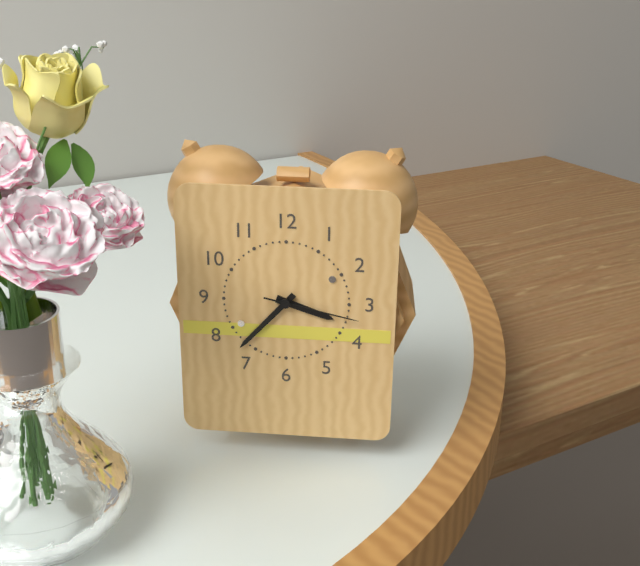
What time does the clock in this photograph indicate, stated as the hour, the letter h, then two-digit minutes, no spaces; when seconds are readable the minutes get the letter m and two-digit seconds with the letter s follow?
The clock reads 3h37m17s
